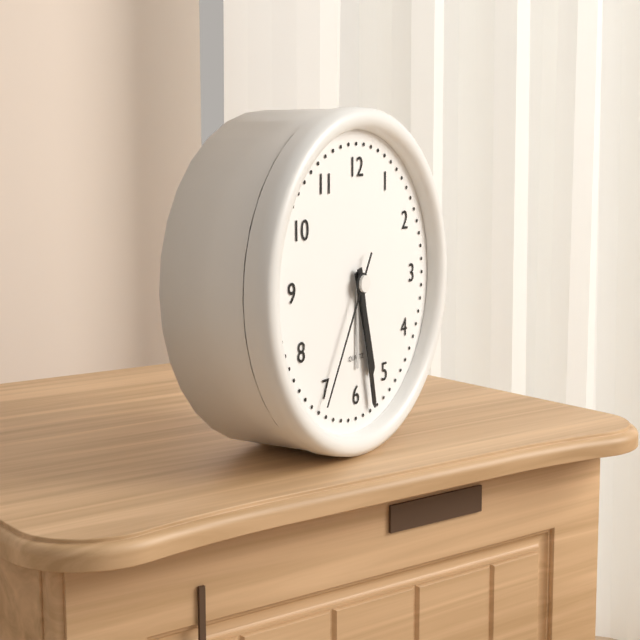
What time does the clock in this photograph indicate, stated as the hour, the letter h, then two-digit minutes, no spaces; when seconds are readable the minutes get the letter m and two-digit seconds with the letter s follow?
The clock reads 5h28m35s
